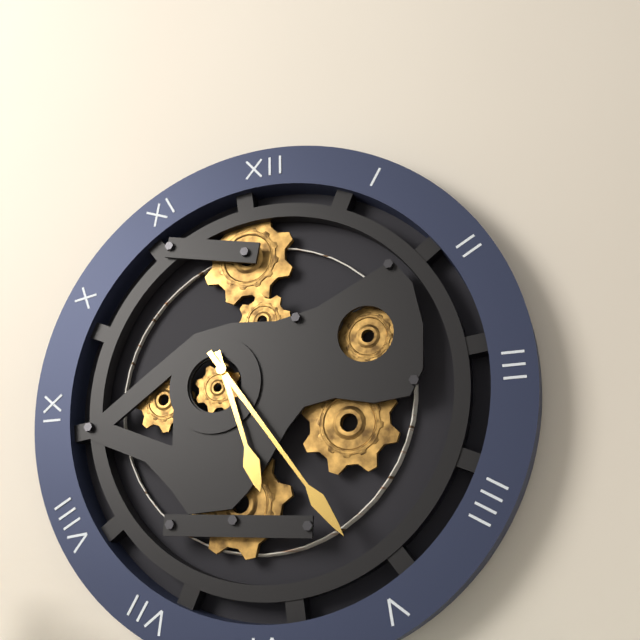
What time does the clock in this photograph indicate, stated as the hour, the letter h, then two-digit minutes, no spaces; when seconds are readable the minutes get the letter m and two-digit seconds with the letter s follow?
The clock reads 5h24
